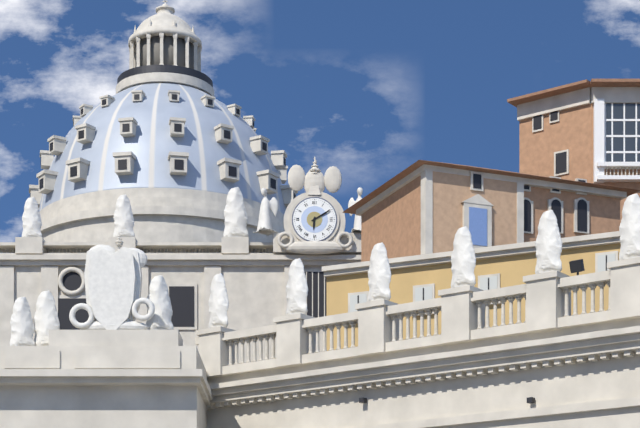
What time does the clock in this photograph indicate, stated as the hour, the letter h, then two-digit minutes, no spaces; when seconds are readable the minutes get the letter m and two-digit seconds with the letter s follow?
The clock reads 6h10
